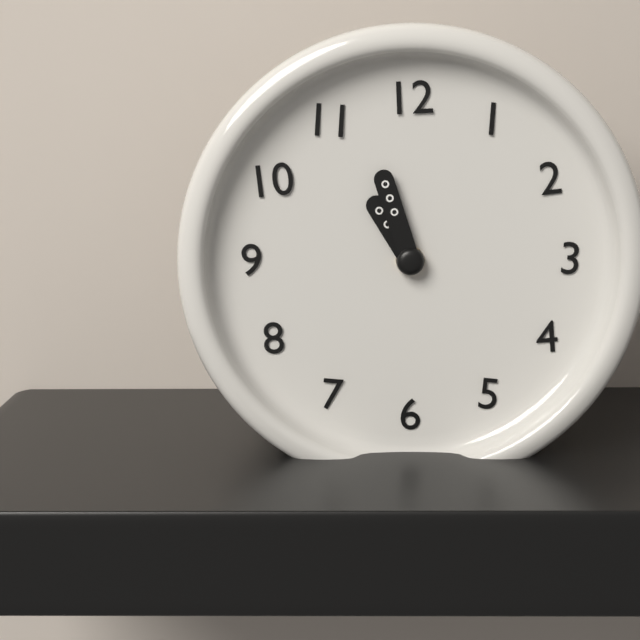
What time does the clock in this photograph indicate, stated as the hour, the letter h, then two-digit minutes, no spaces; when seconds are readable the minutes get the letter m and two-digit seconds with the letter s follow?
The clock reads 10h57
